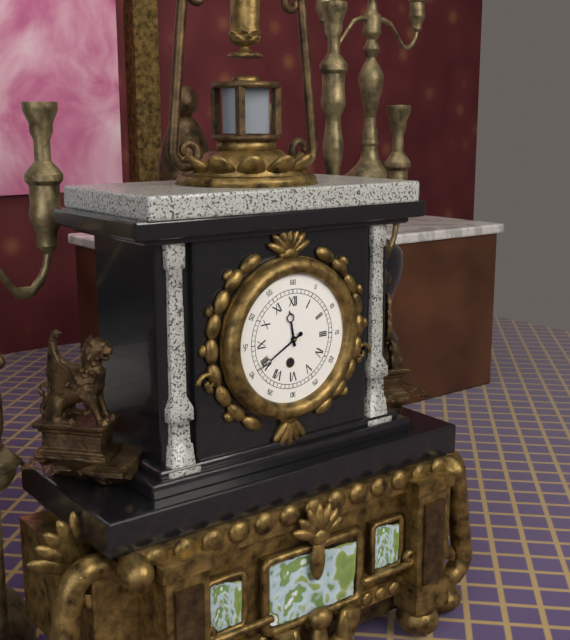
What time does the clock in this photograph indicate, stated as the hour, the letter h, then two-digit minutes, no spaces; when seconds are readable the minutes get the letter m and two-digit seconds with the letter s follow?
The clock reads 11h40
